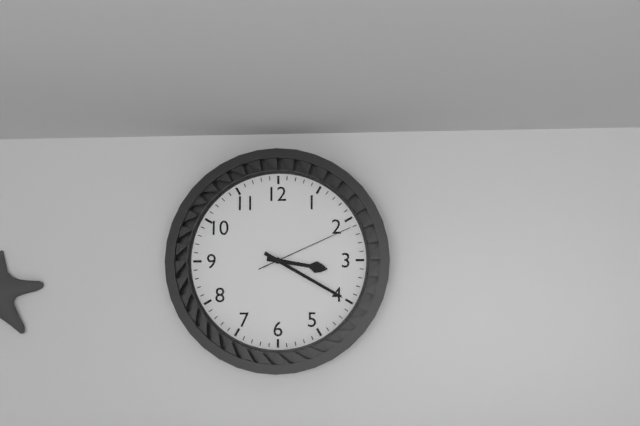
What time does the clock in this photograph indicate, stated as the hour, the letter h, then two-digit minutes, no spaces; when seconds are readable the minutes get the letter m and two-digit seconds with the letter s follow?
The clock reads 3h20m11s
